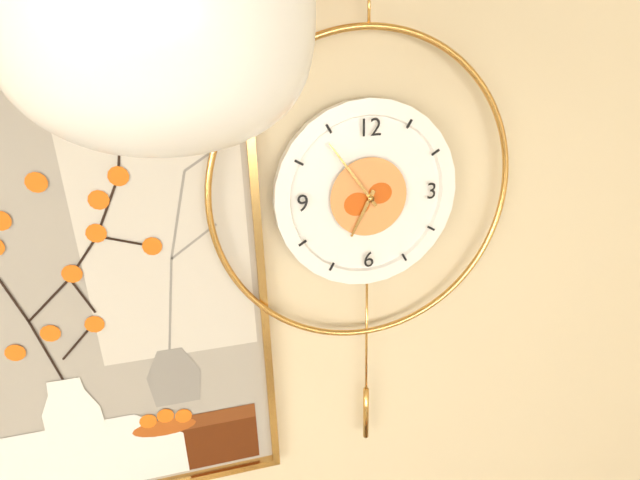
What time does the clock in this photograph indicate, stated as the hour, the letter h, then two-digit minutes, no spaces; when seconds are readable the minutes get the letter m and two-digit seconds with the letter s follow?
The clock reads 6h54
